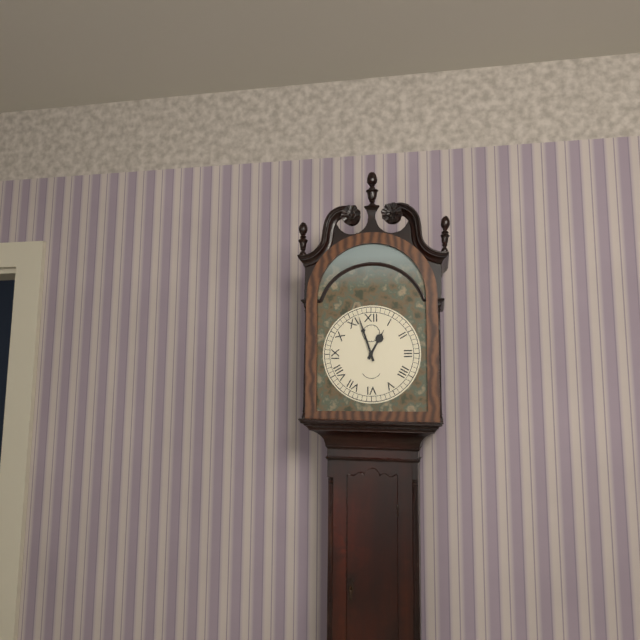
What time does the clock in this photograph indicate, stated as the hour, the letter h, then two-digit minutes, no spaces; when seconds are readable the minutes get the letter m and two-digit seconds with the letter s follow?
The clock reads 12h57
